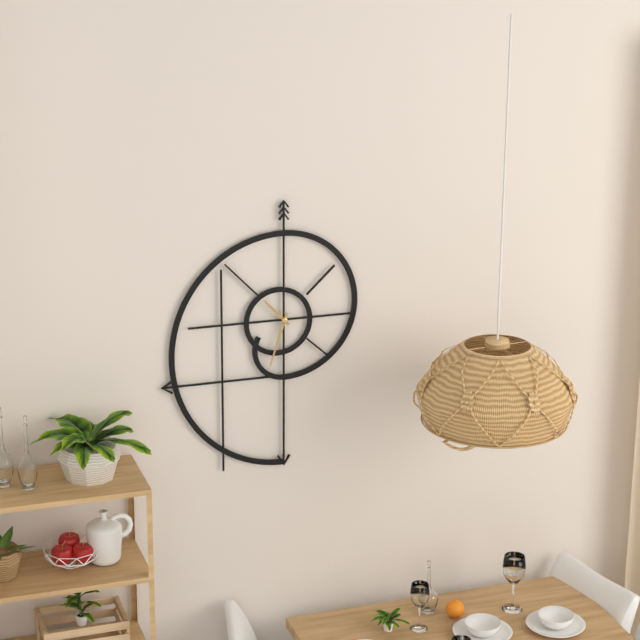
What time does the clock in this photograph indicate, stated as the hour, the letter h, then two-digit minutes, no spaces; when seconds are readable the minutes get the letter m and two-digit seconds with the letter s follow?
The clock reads 10h33
